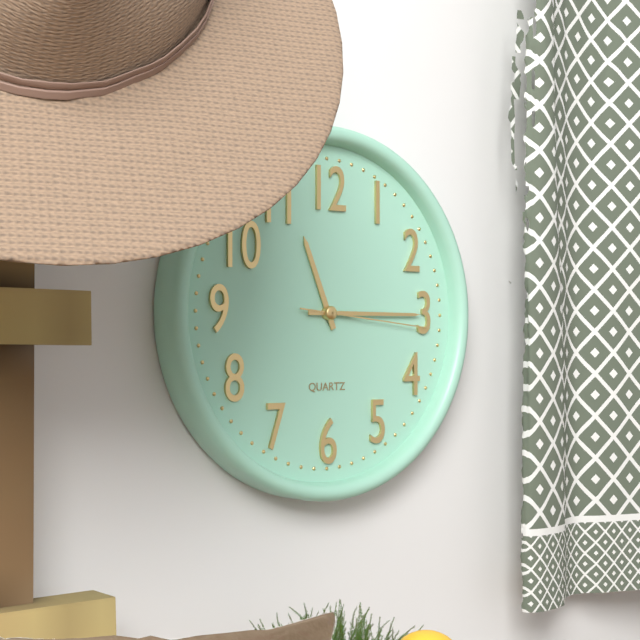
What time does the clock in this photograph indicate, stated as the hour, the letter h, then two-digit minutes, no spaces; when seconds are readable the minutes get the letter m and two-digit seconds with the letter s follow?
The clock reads 11h15m16s
